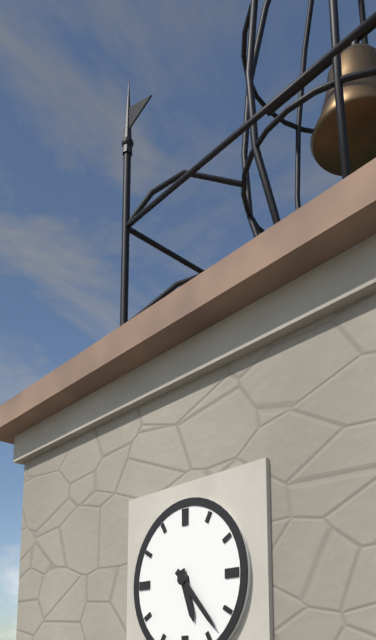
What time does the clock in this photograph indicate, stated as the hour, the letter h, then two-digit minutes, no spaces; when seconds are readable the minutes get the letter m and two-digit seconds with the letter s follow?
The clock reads 5h23
